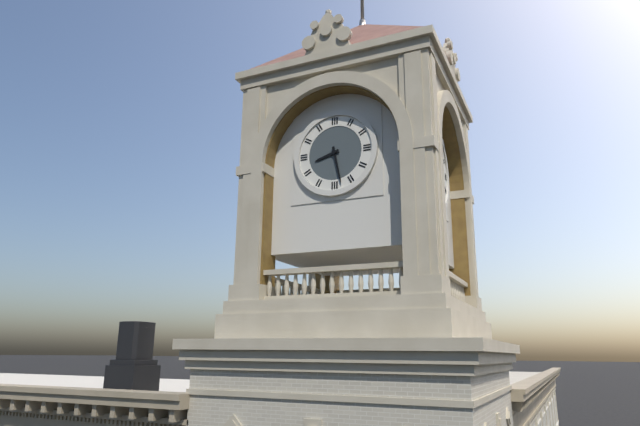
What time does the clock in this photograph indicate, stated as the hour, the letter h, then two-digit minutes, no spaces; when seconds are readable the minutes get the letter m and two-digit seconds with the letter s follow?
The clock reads 8h28
